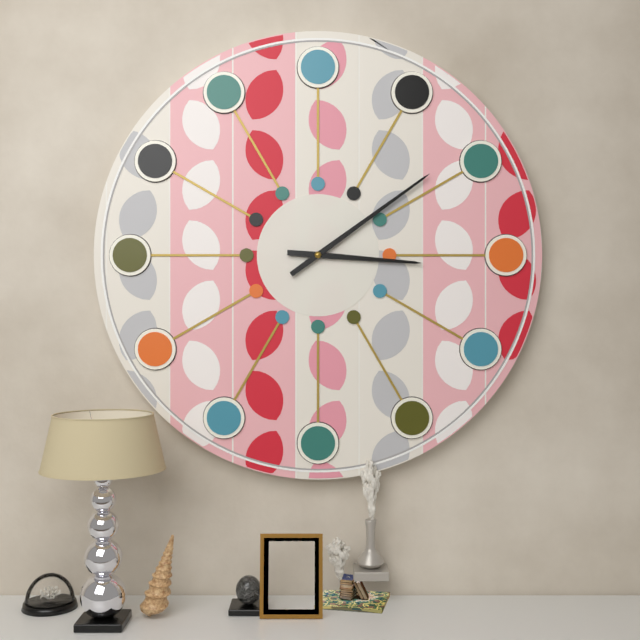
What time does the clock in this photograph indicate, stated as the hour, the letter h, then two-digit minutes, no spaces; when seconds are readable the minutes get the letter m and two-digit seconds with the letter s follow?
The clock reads 3h09
